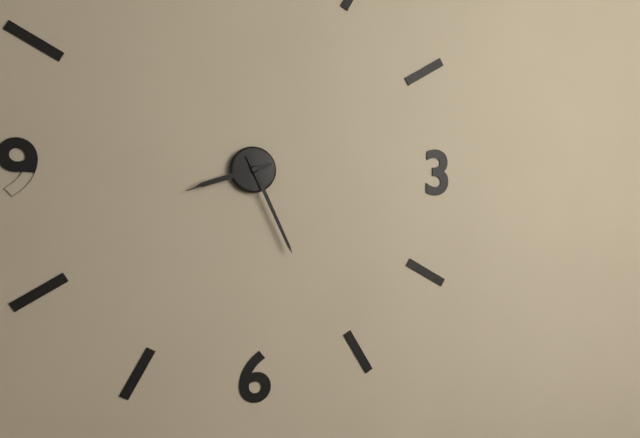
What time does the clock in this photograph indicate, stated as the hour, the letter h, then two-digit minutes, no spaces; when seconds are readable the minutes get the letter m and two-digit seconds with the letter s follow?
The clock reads 8h26m42s
